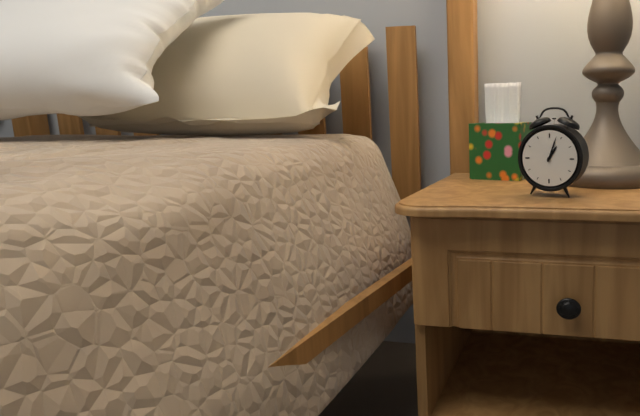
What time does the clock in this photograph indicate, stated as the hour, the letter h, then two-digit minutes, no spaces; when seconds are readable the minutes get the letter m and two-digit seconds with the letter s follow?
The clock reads 1h03
